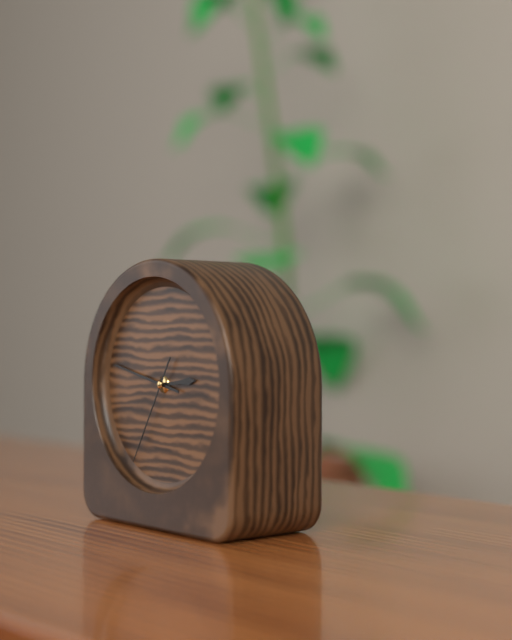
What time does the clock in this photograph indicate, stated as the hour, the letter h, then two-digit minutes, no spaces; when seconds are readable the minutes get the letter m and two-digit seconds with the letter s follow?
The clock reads 2h47m35s
